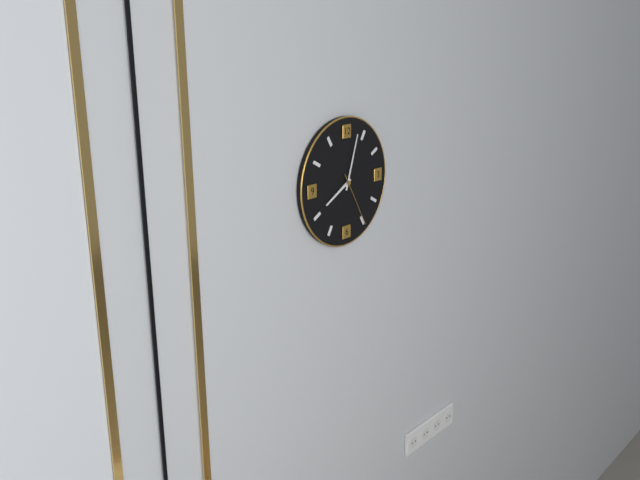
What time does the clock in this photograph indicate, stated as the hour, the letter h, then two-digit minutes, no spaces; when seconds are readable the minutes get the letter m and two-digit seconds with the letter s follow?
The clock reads 8h03m25s
